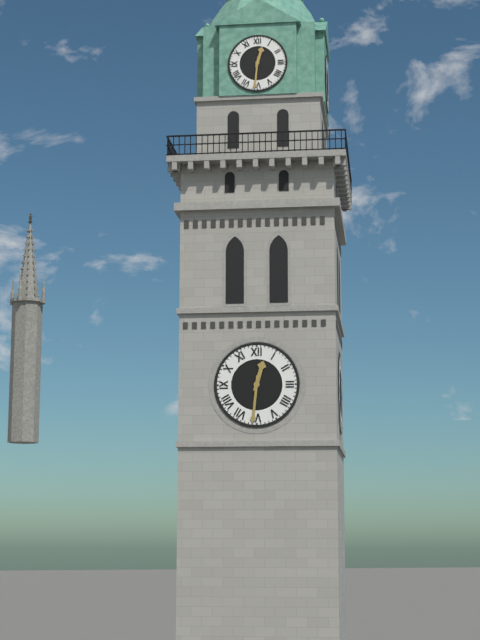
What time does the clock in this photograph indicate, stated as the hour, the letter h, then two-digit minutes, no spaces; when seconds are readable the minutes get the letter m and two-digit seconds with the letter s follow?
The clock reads 12h31
